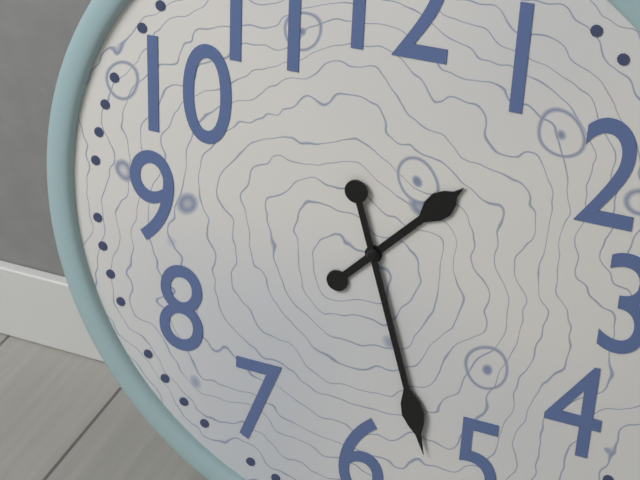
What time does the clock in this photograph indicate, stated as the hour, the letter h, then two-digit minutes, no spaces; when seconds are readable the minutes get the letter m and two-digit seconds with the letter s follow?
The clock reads 1h27
